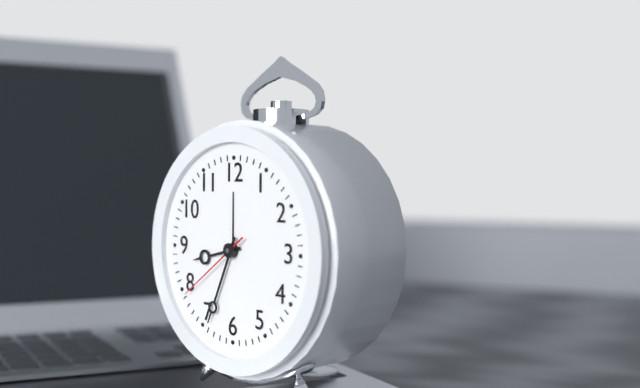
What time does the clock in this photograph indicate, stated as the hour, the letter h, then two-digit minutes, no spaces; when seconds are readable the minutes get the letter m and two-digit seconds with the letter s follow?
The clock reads 8h34m39s
